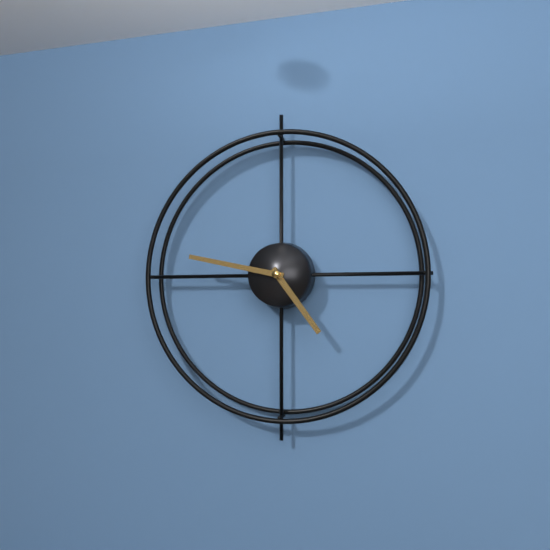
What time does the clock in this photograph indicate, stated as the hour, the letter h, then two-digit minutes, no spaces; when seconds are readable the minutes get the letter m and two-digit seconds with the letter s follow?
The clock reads 4h47
